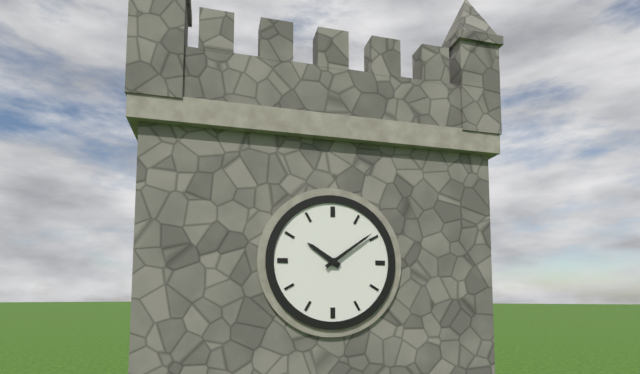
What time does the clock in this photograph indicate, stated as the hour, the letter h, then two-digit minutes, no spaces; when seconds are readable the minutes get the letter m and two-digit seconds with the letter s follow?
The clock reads 10h09
